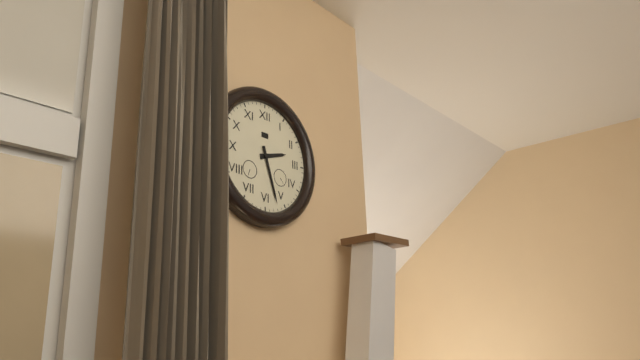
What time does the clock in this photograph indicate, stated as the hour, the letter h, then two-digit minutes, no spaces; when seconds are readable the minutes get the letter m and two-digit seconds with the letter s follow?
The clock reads 2h27
